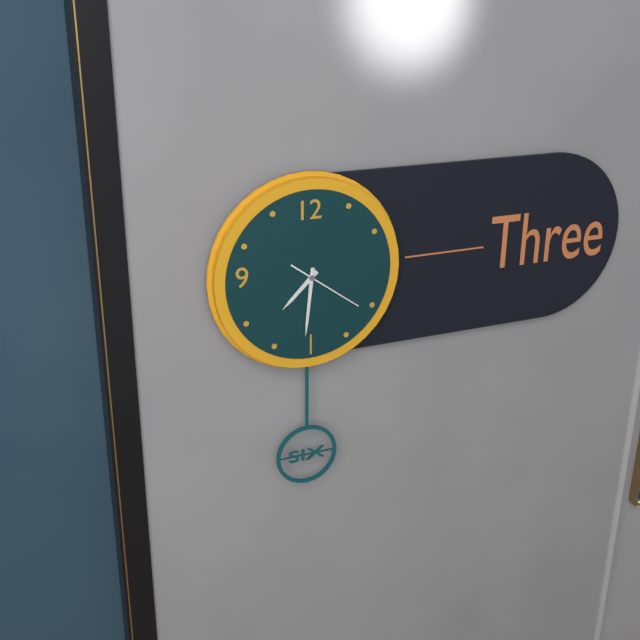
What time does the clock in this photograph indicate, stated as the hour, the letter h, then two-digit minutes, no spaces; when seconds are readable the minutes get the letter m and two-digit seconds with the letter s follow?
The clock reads 7h31m21s
